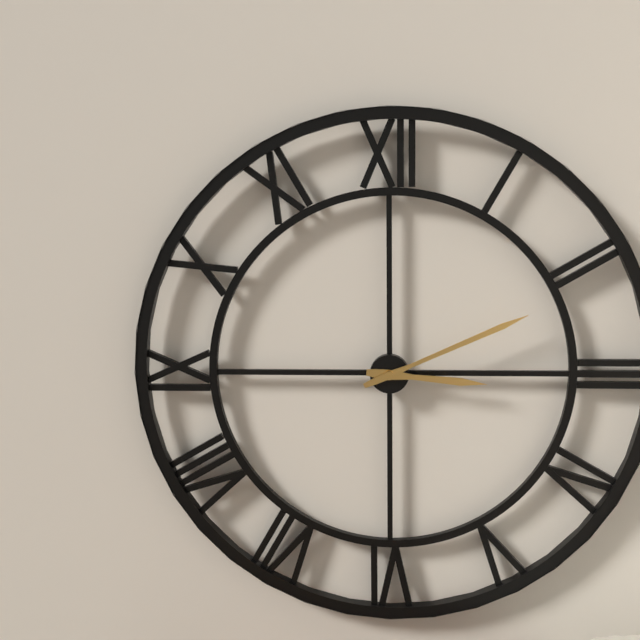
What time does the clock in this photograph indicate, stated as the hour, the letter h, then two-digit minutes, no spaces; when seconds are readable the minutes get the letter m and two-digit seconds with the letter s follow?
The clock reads 3h11
